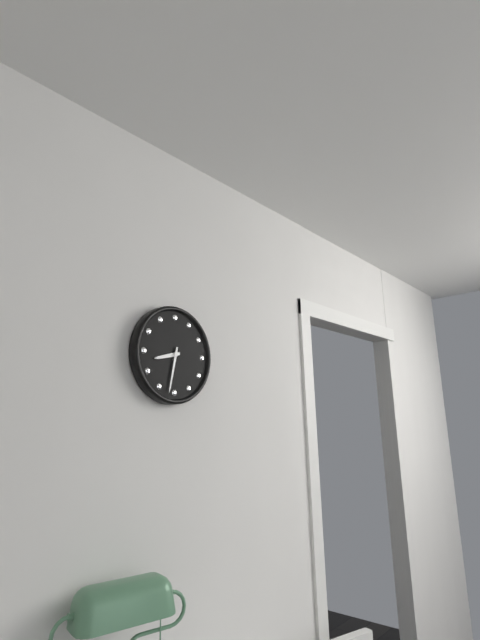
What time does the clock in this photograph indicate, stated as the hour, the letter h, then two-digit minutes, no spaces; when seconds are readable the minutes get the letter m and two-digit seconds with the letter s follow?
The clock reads 8h32
